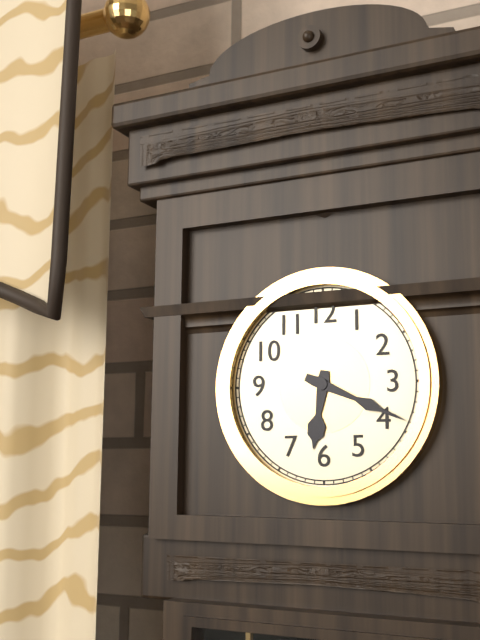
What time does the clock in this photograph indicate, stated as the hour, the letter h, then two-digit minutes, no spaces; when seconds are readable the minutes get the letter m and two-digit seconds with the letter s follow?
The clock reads 6h19
